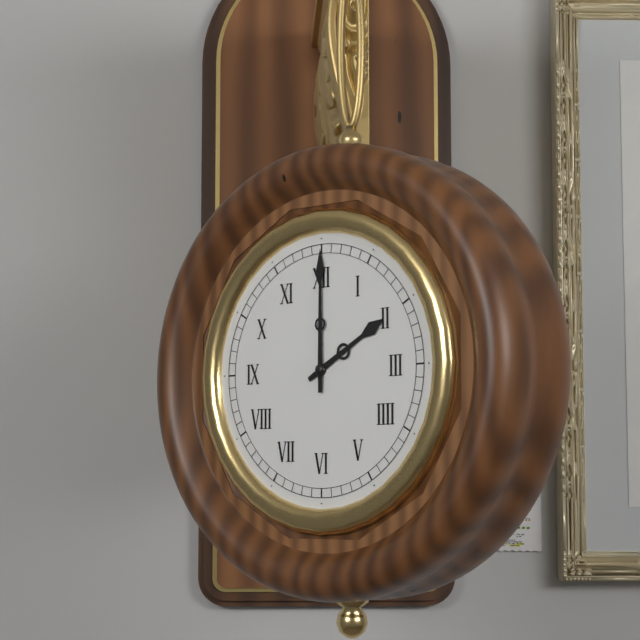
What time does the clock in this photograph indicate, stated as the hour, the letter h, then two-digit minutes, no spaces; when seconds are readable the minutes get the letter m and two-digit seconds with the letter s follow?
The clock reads 2h00
